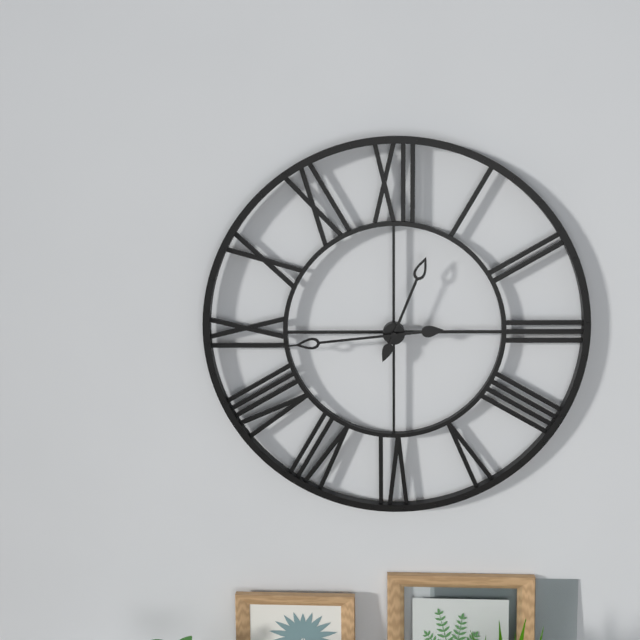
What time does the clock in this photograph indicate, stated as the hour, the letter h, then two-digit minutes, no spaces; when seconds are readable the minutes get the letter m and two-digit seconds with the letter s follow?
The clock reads 12h44
